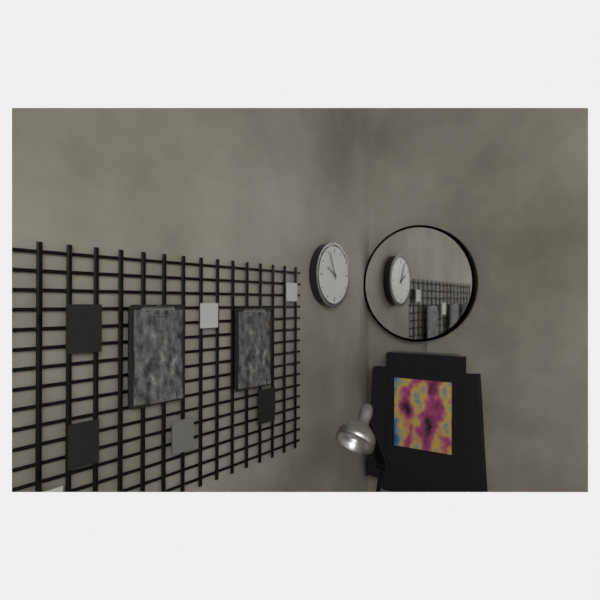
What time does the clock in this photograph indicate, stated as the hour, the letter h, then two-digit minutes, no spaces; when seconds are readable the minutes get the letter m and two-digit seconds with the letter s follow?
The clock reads 9h56
